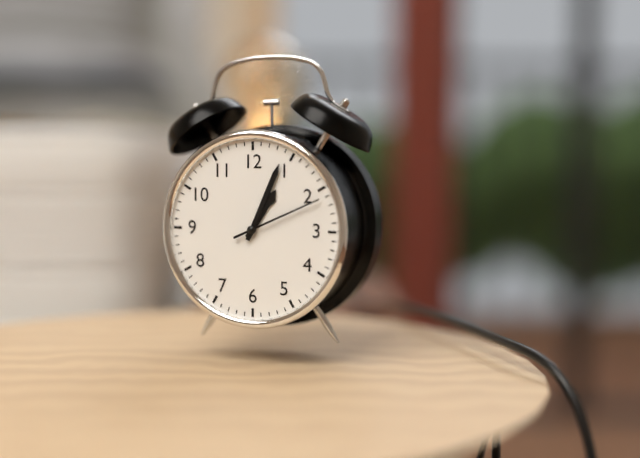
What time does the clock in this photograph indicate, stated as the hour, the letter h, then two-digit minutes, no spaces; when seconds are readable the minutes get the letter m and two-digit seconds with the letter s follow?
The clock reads 1h04m11s
